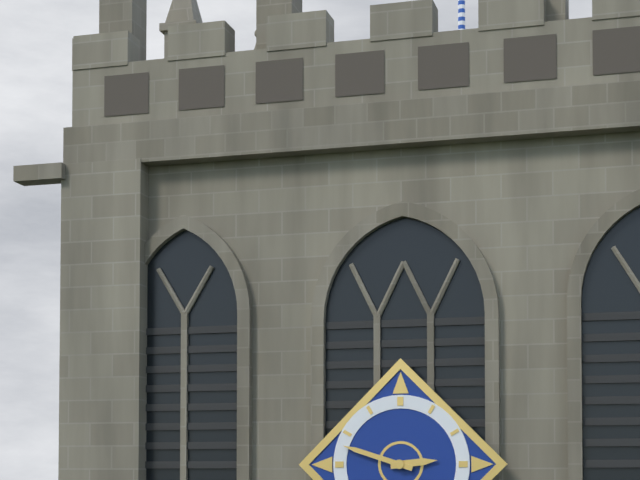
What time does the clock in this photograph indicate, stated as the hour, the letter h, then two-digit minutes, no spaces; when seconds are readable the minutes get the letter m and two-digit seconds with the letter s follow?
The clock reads 2h48
